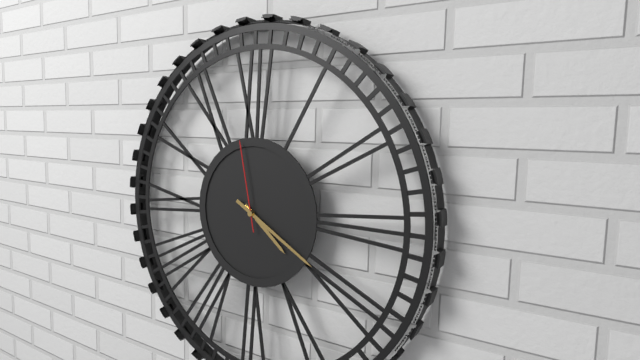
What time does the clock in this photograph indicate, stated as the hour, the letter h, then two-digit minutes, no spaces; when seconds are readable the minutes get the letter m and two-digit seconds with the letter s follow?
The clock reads 4h20m58s
